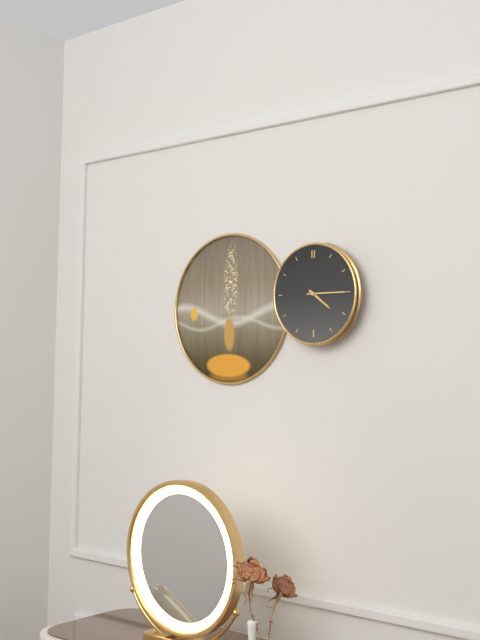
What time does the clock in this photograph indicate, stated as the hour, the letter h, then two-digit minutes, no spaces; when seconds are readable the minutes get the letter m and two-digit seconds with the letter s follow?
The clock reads 4h15
